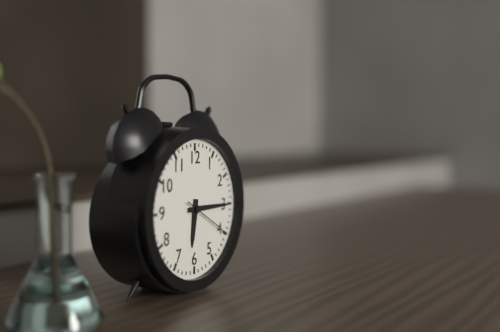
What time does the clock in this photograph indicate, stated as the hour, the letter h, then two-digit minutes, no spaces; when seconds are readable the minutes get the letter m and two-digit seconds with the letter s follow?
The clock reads 6h15m20s
